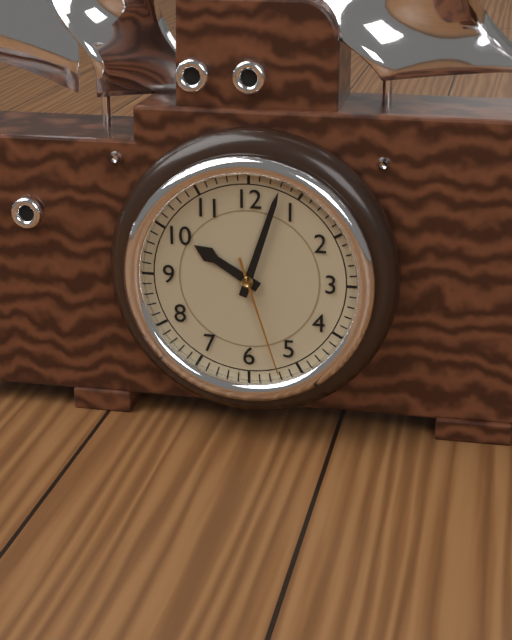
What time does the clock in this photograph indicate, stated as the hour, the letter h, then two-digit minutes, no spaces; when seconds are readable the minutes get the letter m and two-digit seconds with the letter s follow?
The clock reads 10h03m27s
